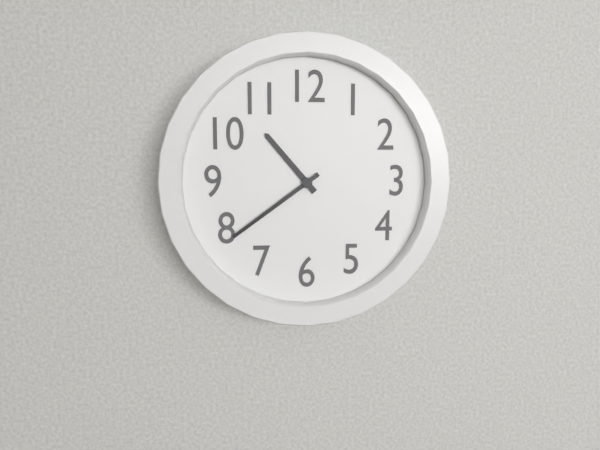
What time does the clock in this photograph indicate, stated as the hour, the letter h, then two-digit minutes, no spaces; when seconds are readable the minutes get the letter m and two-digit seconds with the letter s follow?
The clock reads 10h39
